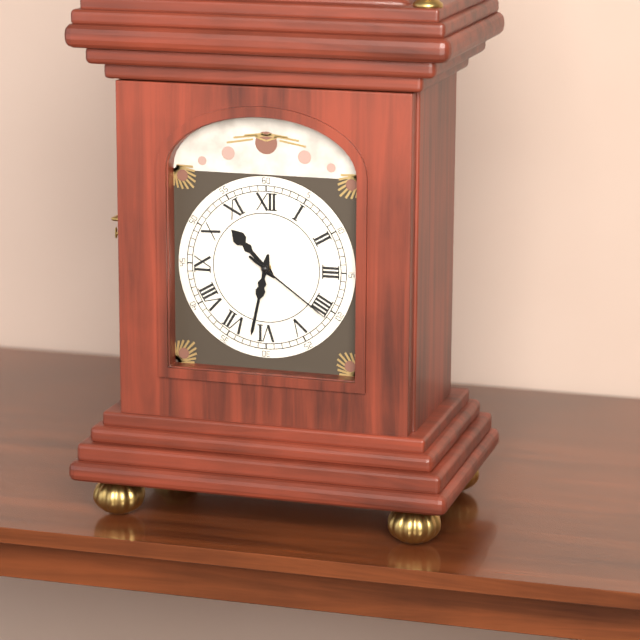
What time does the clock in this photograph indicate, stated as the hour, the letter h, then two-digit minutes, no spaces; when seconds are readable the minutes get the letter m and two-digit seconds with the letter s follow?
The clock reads 10h32m21s
